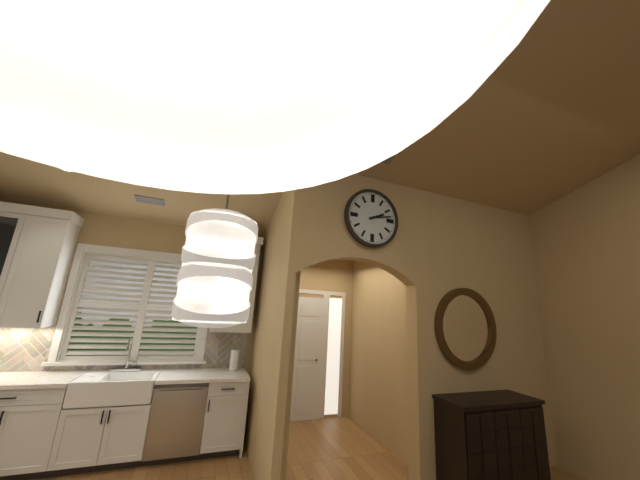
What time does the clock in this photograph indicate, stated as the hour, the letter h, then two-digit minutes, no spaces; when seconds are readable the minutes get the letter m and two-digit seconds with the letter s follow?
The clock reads 2h13
